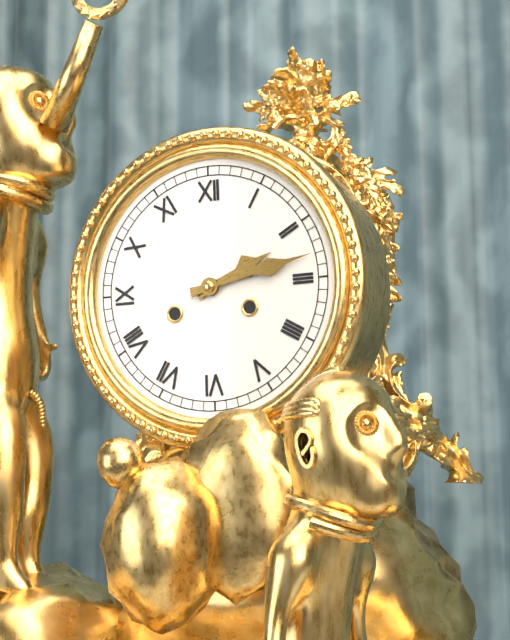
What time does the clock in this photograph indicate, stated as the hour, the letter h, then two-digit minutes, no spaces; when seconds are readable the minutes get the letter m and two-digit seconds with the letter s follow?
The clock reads 2h13
